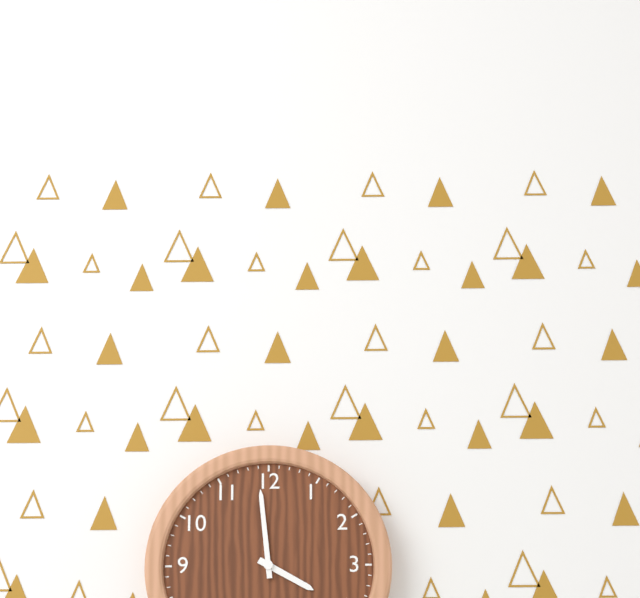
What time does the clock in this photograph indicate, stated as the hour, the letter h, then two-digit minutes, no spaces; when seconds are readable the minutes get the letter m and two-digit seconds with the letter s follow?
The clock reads 3h59
